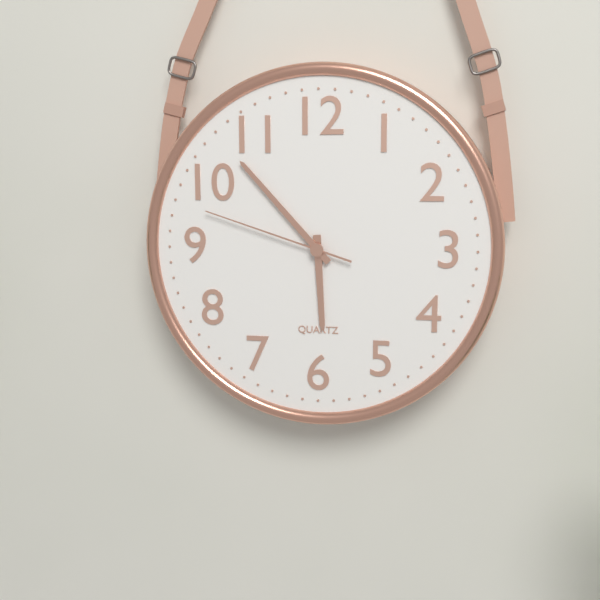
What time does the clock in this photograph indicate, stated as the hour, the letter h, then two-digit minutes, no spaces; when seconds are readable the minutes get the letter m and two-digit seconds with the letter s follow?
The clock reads 5h53m48s
